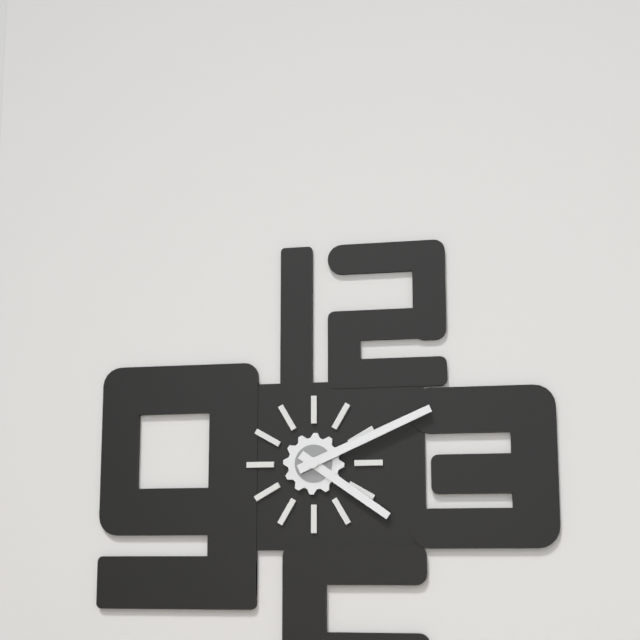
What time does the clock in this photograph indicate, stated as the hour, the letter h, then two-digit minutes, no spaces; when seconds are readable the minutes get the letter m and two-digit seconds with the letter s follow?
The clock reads 4h11
